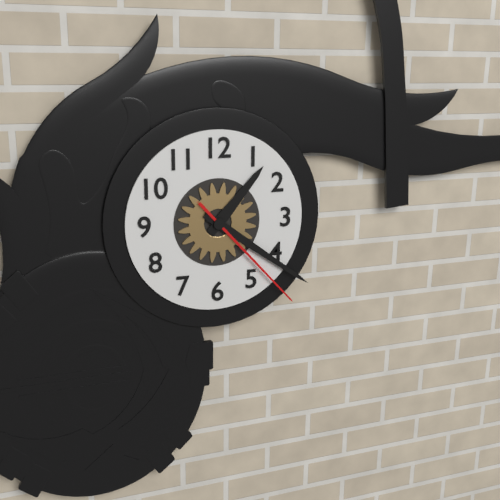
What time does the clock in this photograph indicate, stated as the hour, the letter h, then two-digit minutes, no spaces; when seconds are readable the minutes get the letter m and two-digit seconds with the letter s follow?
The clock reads 1h21m23s
